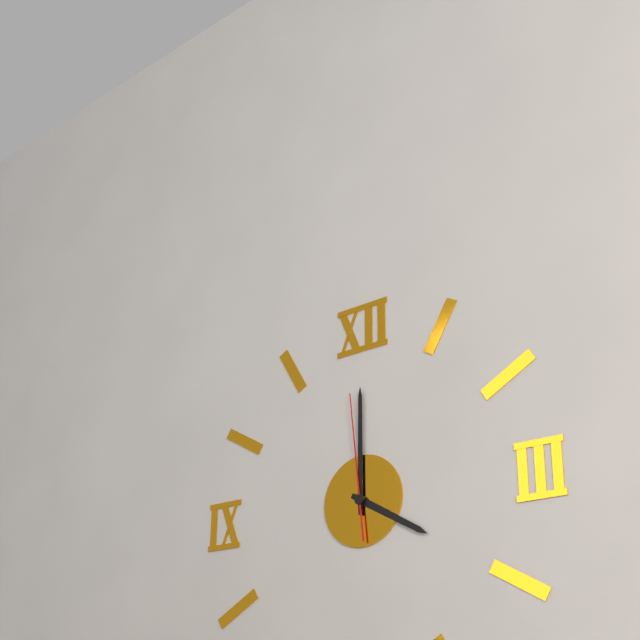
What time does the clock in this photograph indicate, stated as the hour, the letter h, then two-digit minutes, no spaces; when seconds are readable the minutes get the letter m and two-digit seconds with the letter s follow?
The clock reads 4h00m59s
